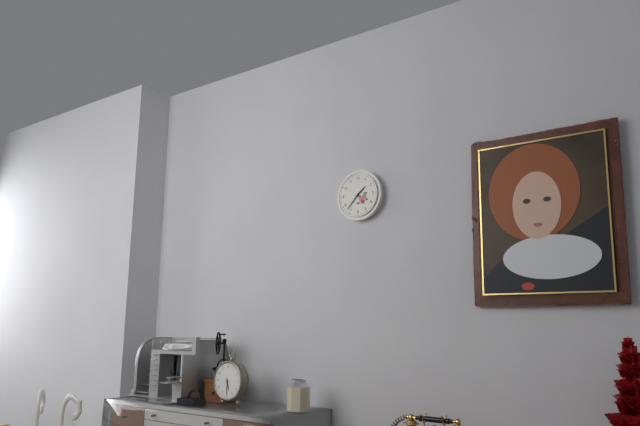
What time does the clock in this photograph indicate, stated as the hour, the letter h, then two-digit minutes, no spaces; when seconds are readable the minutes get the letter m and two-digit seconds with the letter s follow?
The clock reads 1h37
